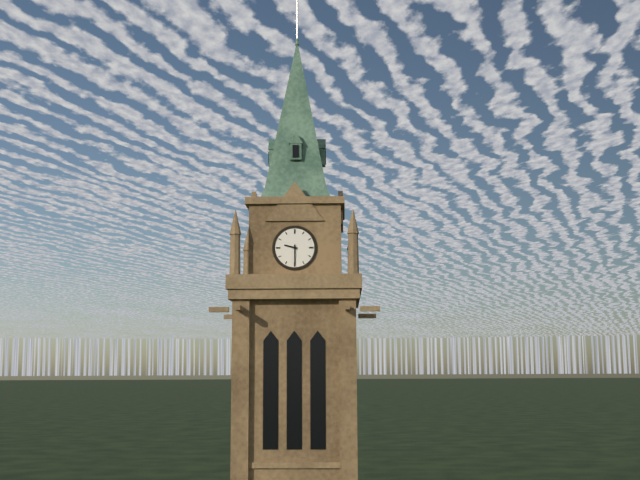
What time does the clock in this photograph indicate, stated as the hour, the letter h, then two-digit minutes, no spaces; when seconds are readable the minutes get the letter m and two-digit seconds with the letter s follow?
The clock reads 9h30
